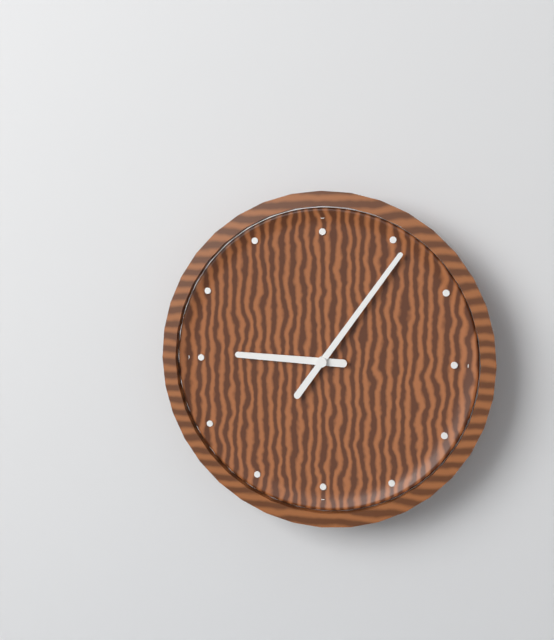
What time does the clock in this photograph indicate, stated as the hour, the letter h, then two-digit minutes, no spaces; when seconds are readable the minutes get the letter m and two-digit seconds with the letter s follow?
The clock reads 9h06
